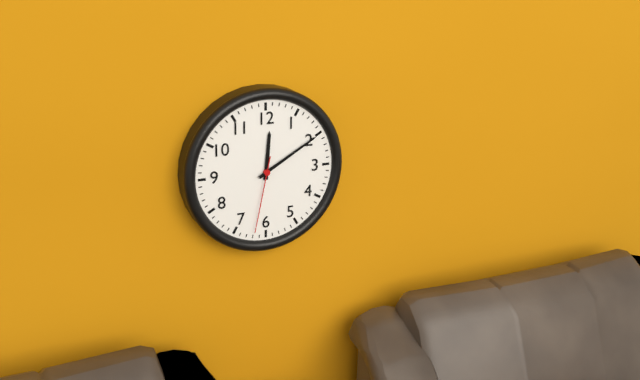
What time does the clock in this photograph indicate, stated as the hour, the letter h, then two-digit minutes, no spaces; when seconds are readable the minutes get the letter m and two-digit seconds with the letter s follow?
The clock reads 12h10m32s
